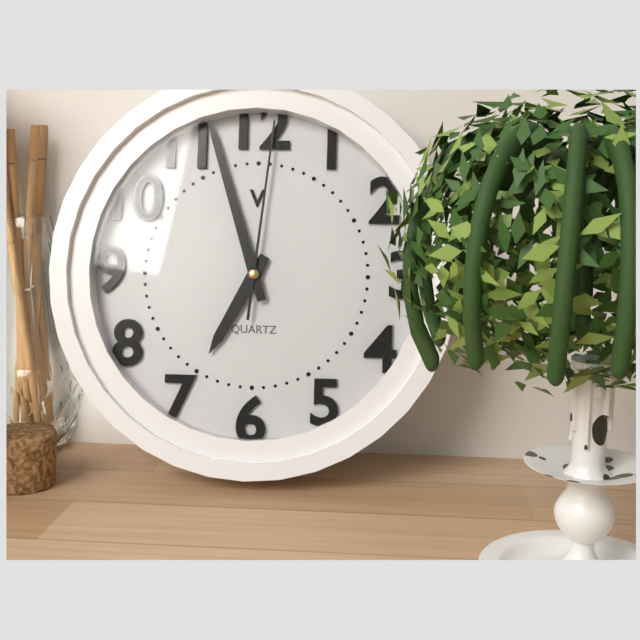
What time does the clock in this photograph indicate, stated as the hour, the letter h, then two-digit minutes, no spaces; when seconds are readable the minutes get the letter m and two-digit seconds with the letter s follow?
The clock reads 6h57m01s
